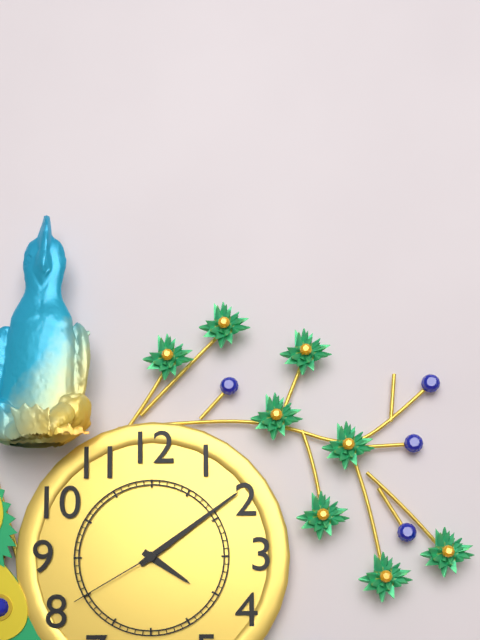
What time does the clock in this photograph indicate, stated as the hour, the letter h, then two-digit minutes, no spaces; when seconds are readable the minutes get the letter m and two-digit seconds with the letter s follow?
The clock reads 4h09m40s
